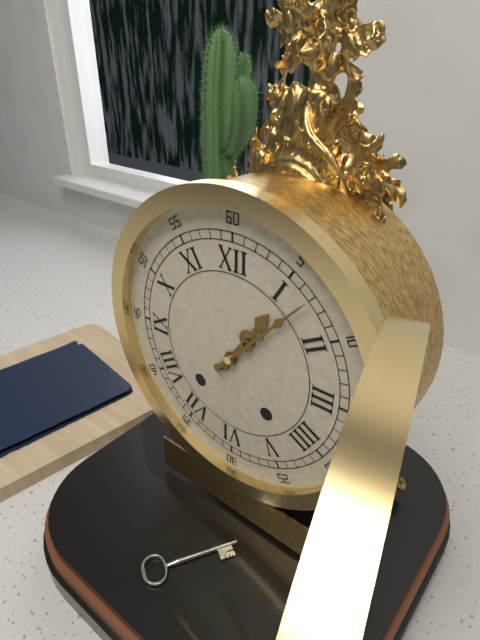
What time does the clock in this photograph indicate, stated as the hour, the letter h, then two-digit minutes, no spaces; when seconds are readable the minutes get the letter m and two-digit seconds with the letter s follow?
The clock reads 1h07
